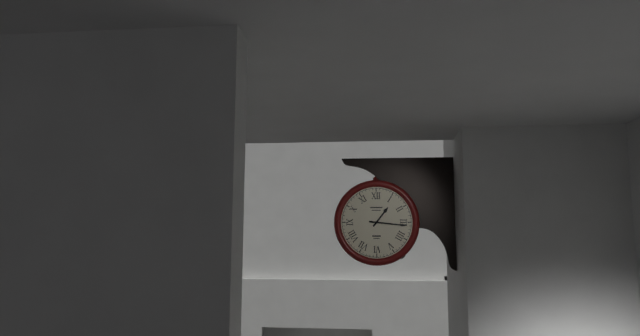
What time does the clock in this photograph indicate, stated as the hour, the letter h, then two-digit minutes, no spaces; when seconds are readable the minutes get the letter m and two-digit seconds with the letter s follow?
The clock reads 1h16
